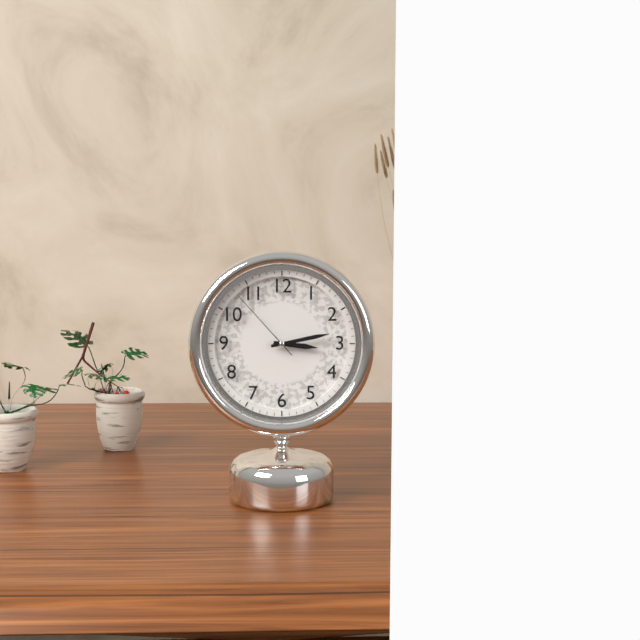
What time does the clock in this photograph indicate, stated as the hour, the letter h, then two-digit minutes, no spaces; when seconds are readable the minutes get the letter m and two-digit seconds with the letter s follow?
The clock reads 3h13m53s
